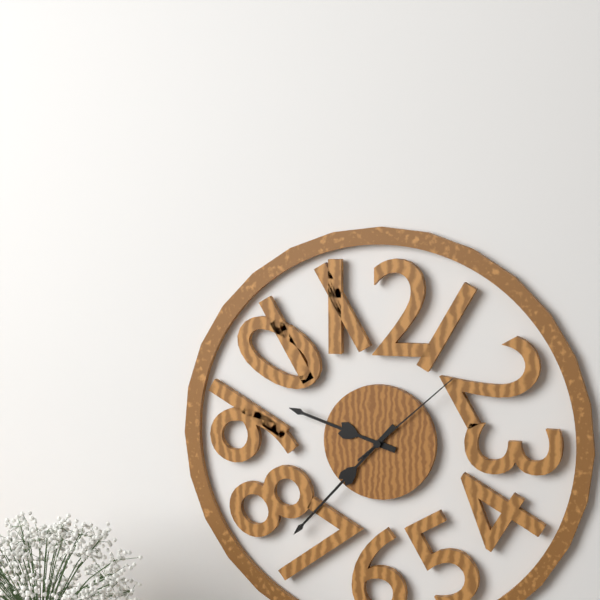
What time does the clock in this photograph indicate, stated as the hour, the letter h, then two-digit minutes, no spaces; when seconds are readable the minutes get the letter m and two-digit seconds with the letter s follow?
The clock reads 9h37m08s
